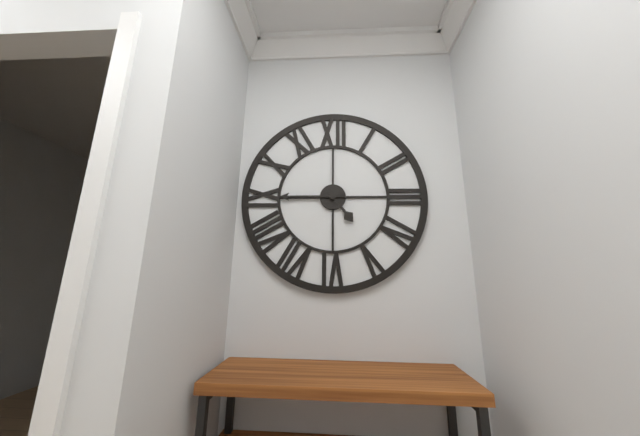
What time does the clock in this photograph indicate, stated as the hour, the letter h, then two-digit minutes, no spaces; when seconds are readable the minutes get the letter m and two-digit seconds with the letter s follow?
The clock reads 4h45
